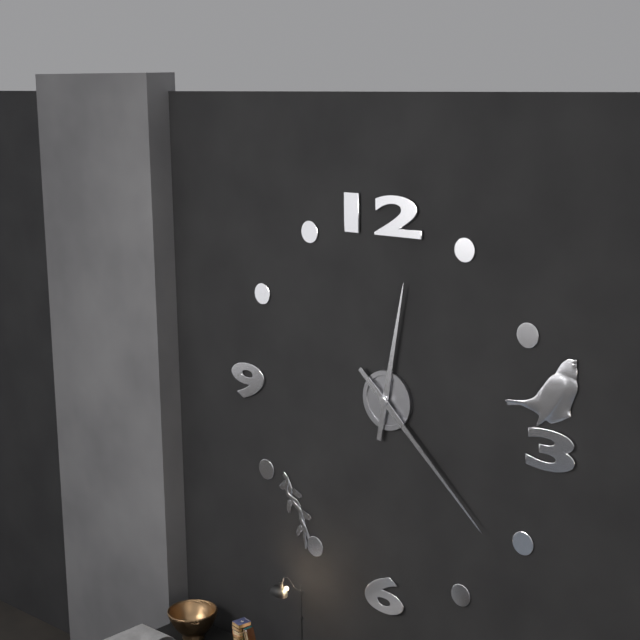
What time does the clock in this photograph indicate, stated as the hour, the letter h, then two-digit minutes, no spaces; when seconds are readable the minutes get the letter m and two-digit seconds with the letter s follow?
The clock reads 12h22
